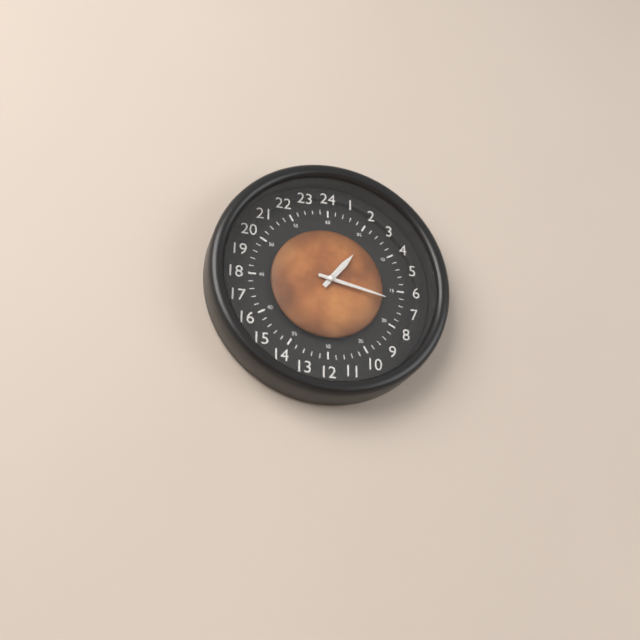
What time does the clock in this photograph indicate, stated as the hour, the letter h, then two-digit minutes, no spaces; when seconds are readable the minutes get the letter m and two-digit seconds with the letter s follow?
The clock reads 1h17
